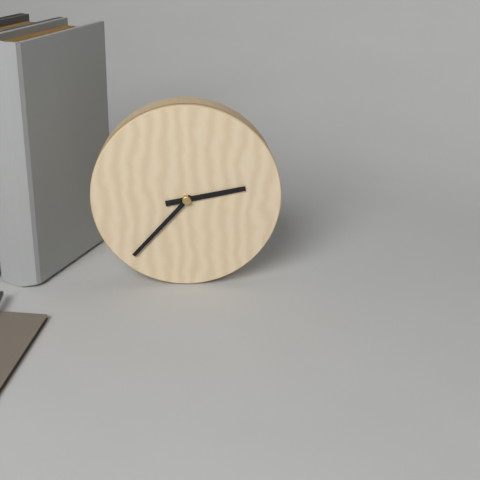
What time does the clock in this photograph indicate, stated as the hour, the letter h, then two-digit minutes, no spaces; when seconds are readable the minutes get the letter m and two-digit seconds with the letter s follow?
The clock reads 2h37
